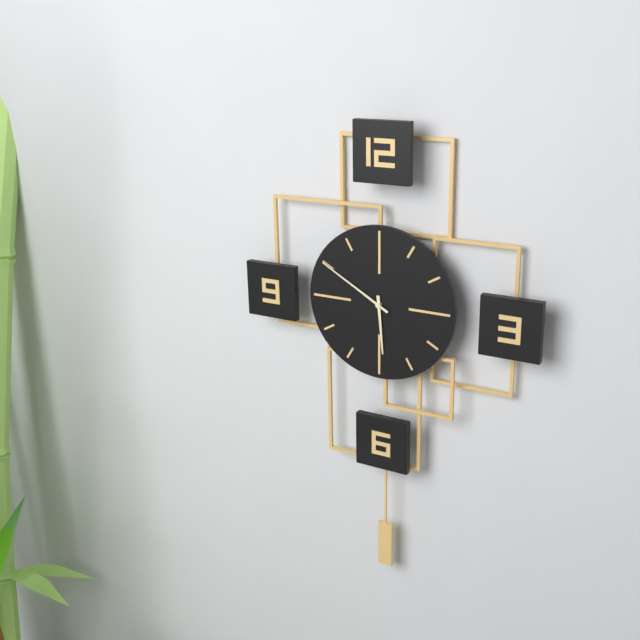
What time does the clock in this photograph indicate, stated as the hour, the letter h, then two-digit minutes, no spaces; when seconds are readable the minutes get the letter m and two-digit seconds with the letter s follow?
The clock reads 5h50
